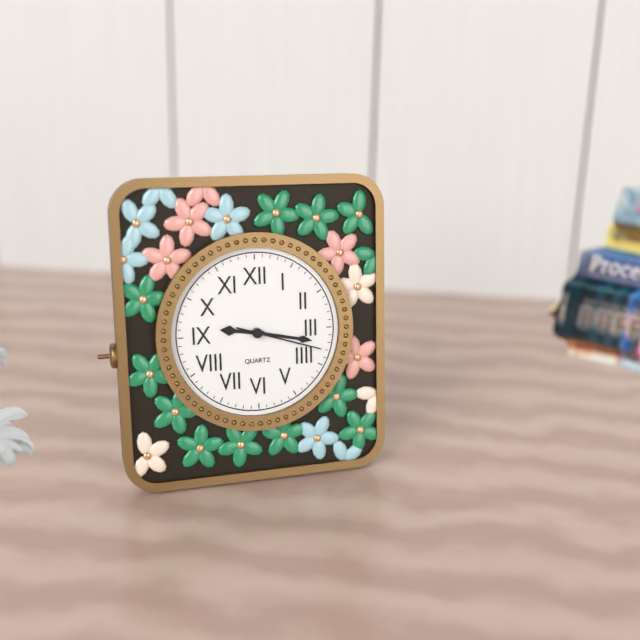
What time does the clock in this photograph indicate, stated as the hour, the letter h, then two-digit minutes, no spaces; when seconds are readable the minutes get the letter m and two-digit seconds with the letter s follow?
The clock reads 9h17m18s
